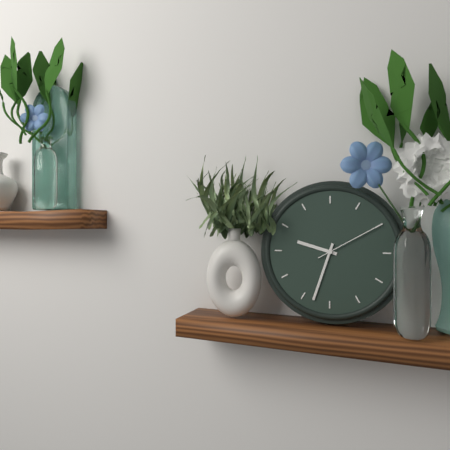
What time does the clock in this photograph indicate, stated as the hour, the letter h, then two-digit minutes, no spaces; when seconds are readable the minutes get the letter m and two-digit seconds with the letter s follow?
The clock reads 9h33m10s
